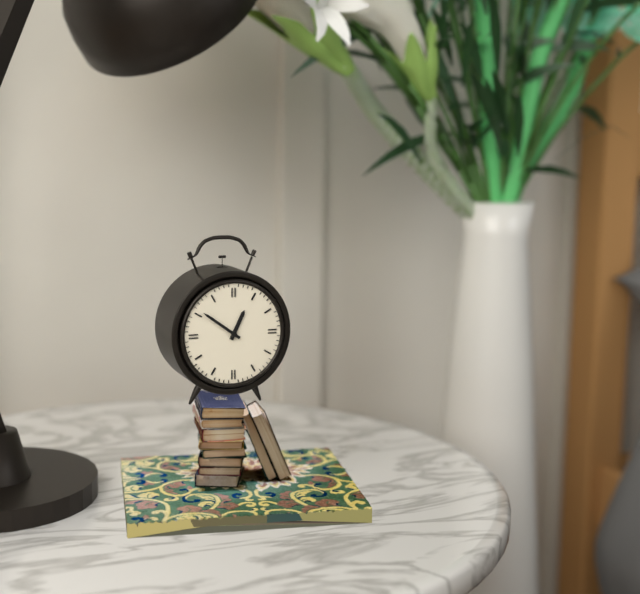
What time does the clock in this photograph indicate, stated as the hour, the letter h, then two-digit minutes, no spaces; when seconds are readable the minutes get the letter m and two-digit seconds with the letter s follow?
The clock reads 12h51
